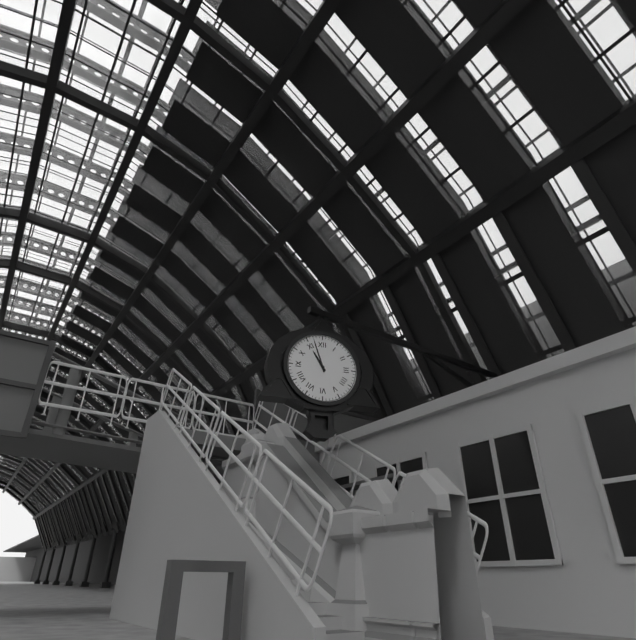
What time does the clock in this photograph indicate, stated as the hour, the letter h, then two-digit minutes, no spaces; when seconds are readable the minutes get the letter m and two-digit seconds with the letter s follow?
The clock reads 10h57
